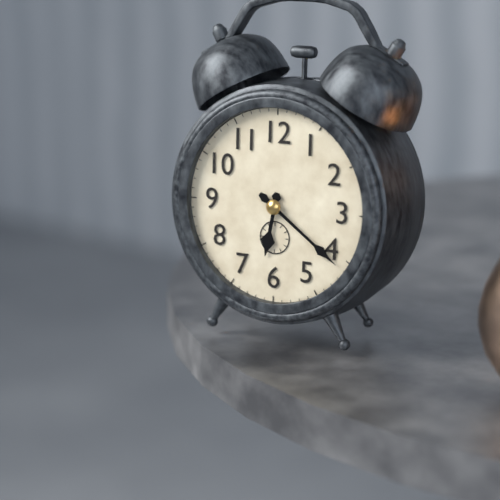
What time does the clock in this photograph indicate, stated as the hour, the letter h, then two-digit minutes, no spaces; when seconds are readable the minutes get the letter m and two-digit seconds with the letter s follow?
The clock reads 6h21
